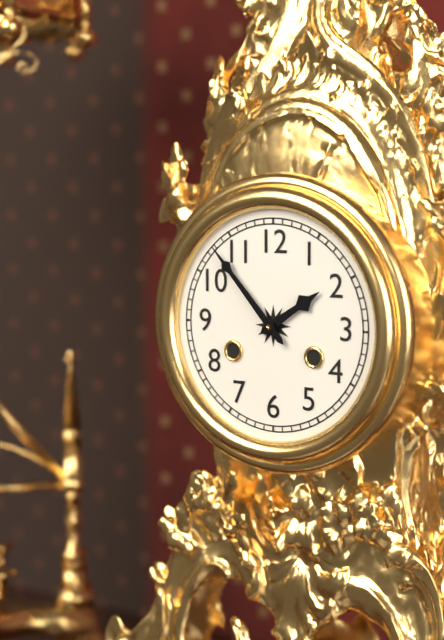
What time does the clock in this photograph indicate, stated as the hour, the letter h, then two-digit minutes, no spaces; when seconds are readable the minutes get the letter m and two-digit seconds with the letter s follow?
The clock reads 1h53
